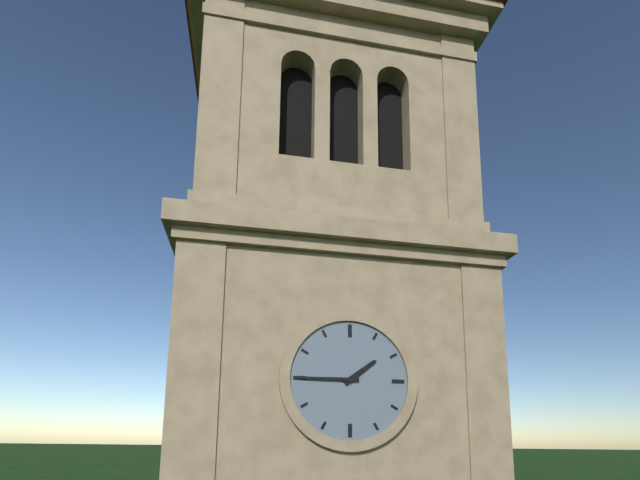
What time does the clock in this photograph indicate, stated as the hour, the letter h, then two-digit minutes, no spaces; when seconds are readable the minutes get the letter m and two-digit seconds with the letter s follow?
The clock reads 1h45
